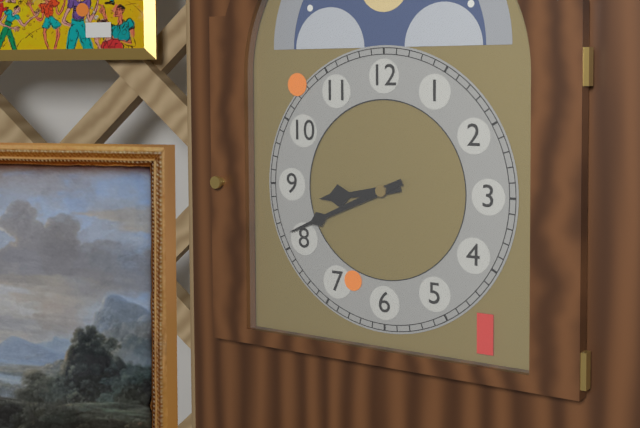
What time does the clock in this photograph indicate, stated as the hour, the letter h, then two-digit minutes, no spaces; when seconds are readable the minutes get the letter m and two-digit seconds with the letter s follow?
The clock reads 8h41
